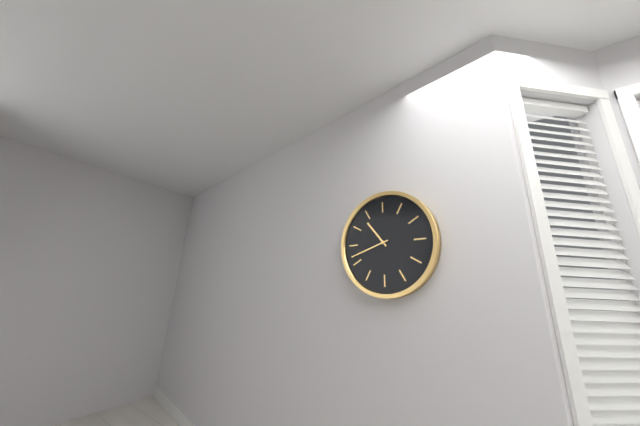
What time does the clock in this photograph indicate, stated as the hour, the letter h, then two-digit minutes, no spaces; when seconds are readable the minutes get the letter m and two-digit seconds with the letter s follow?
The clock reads 10h42
